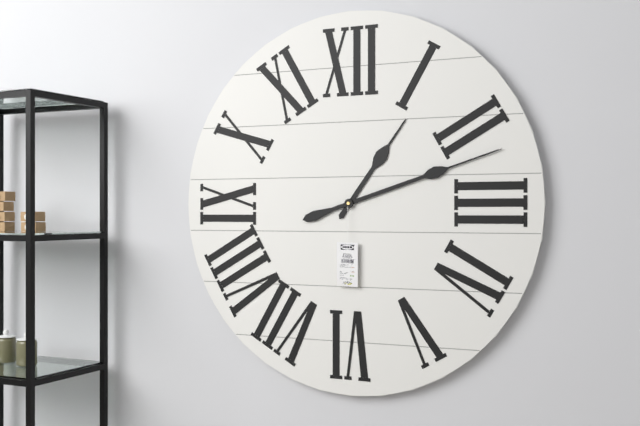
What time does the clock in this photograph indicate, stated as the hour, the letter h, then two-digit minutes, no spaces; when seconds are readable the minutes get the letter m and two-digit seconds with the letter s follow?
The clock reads 1h12
